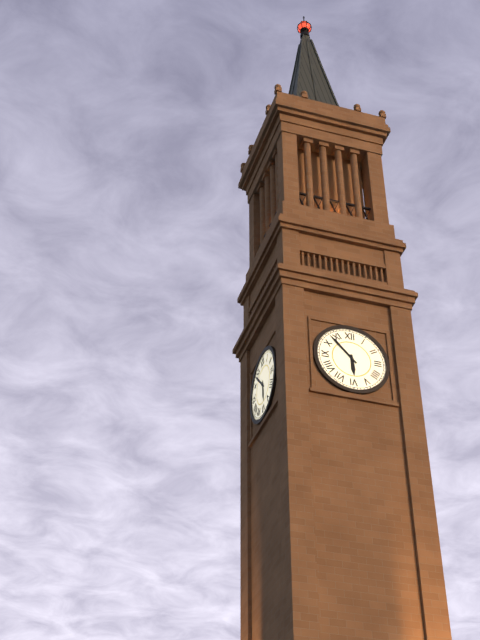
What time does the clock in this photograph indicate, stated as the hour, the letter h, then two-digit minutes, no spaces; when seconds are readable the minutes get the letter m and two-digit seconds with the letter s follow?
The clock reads 5h53
